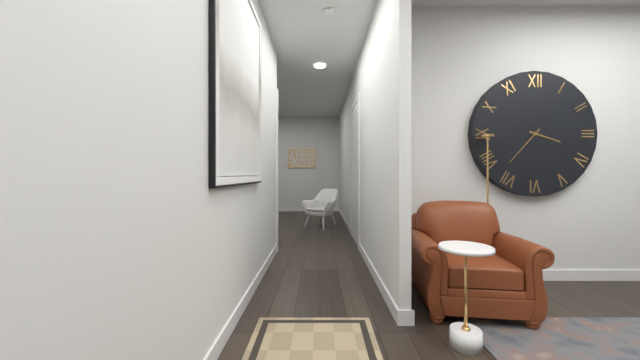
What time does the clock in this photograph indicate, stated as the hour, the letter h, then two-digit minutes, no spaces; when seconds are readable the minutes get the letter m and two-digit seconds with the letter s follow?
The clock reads 3h37
